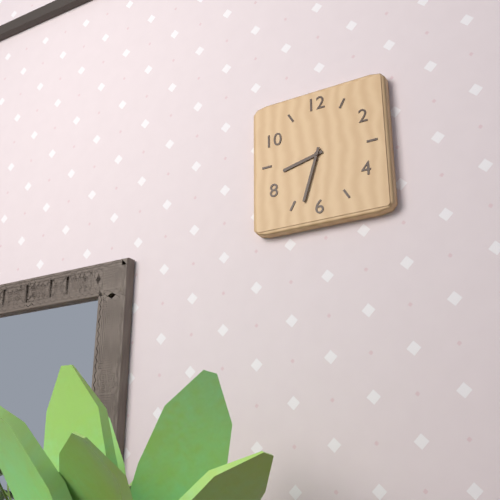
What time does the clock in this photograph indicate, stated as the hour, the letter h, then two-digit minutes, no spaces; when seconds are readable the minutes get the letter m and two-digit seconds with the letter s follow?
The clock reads 8h33
